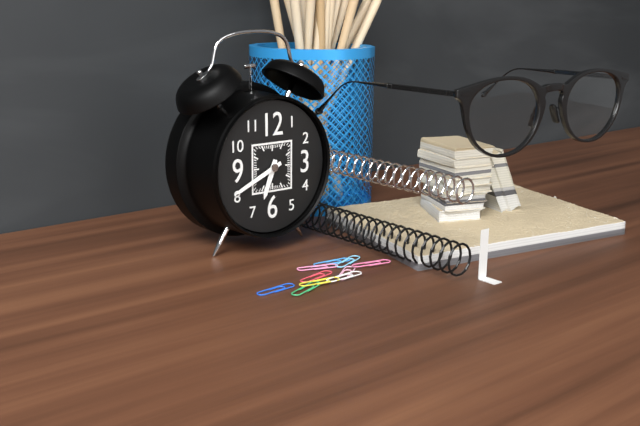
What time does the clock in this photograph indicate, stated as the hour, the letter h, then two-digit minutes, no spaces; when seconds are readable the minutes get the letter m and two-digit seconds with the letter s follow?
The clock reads 6h41
